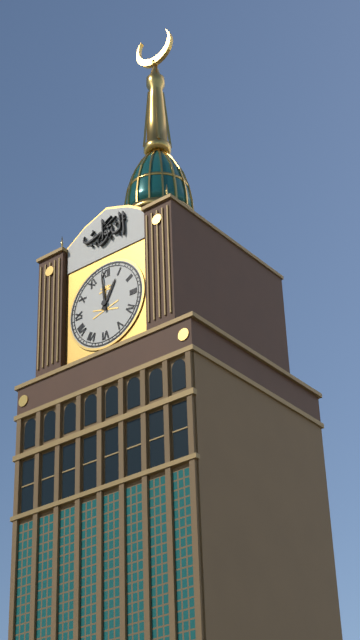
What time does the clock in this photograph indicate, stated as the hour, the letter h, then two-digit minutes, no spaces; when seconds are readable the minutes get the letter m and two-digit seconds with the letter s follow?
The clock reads 12h59
